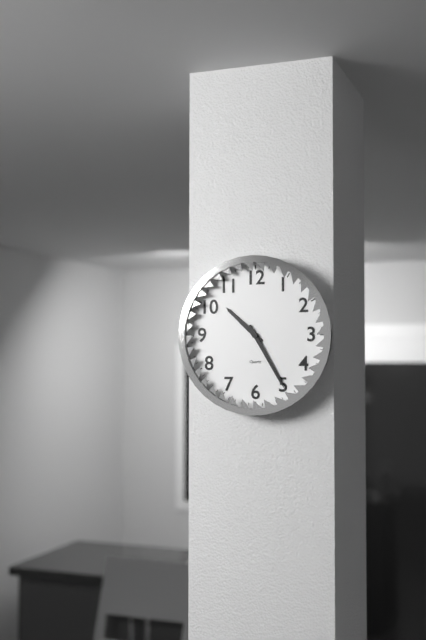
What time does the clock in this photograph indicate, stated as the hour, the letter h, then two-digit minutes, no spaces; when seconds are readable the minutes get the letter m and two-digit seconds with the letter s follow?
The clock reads 10h25
